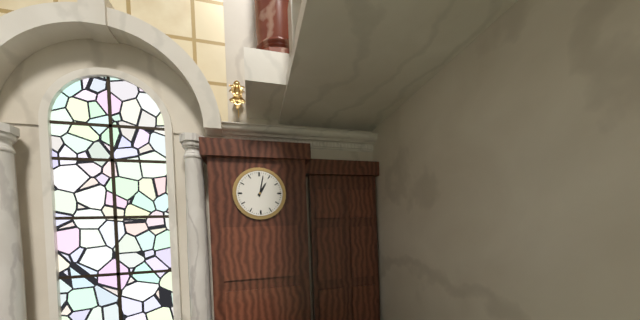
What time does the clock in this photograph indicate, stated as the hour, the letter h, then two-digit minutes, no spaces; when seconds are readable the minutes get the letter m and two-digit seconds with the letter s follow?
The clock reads 1h02
